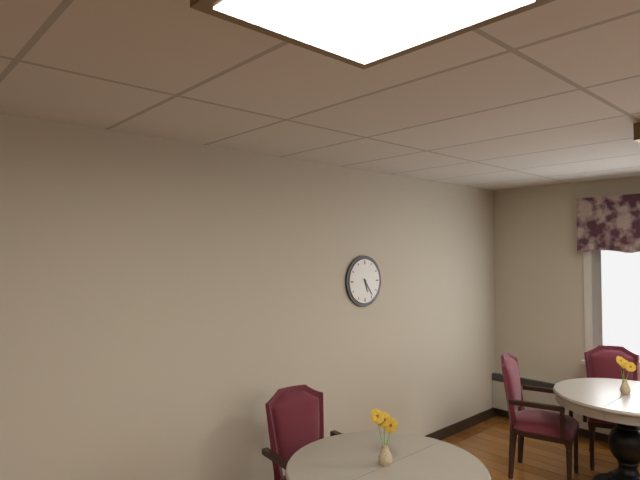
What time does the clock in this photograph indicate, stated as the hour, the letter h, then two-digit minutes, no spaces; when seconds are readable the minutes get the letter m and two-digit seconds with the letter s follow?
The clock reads 5h24
